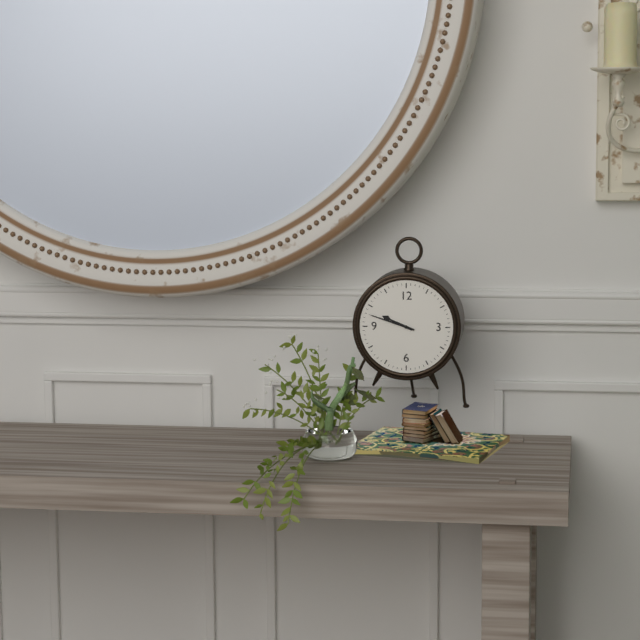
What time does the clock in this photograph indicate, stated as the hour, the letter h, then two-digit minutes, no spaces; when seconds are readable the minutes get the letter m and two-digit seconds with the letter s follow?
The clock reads 9h48
